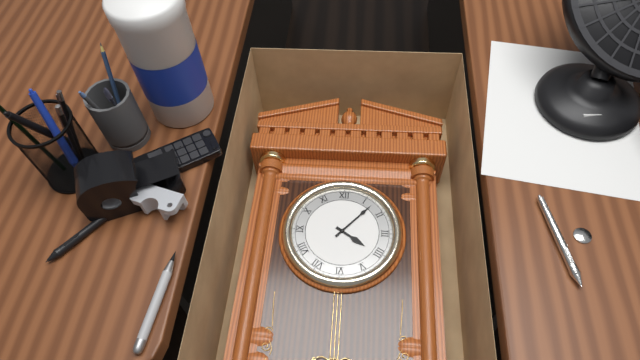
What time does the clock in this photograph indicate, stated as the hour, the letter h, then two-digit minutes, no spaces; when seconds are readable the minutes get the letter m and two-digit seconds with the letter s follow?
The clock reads 4h07
